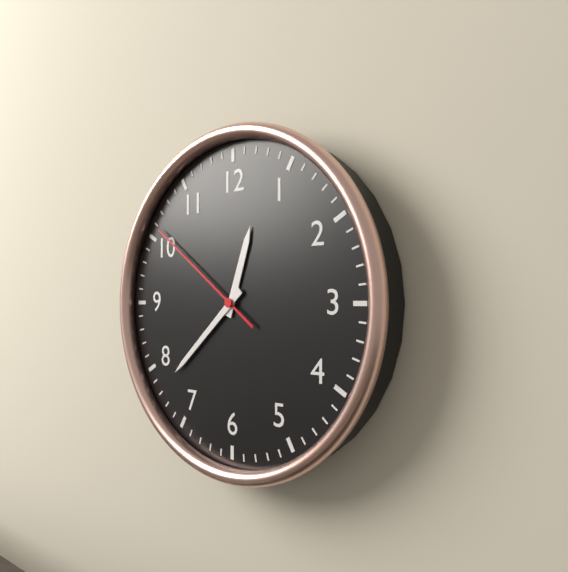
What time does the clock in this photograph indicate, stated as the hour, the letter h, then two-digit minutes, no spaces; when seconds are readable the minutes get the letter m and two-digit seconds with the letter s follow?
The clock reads 12h38m51s
